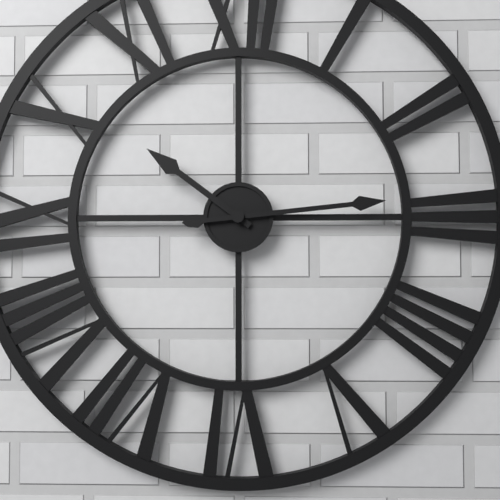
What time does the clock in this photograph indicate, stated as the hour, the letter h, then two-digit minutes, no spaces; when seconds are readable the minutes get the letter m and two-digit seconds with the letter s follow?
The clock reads 10h14
